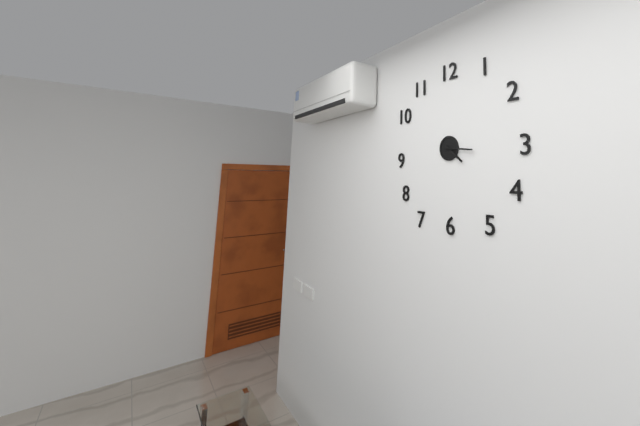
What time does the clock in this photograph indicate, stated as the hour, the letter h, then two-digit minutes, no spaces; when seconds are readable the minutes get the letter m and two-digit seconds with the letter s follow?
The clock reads 4h16
